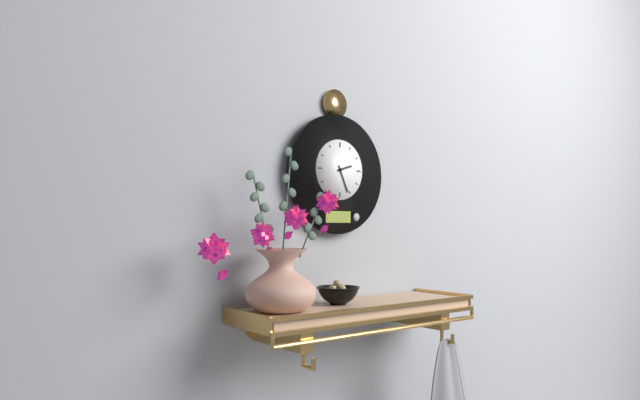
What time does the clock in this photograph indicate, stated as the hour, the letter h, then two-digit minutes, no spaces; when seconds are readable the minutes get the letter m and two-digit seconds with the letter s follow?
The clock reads 2h26
